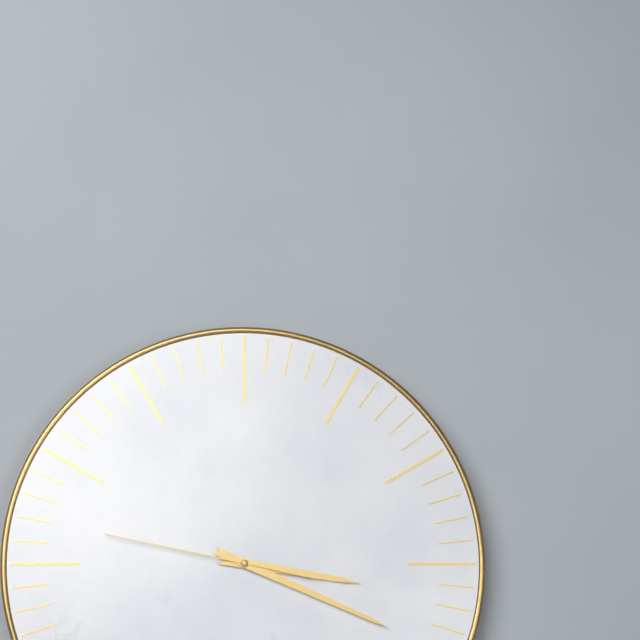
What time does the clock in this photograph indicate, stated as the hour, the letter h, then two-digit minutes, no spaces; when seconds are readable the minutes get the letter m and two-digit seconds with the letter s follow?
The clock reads 3h19m47s
